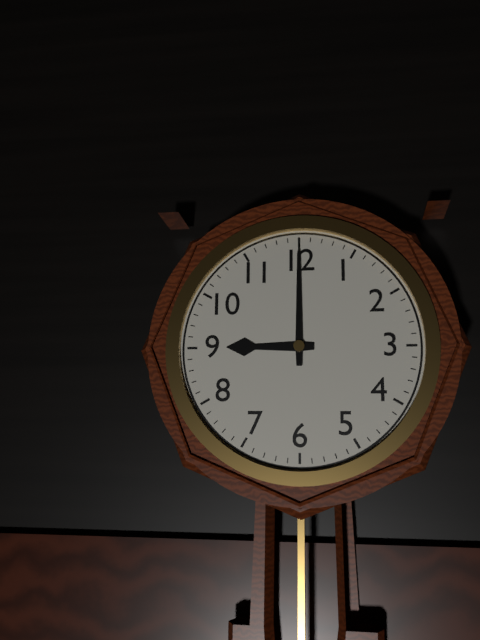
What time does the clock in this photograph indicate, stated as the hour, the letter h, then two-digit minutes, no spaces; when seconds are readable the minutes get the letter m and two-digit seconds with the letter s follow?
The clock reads 9h00
